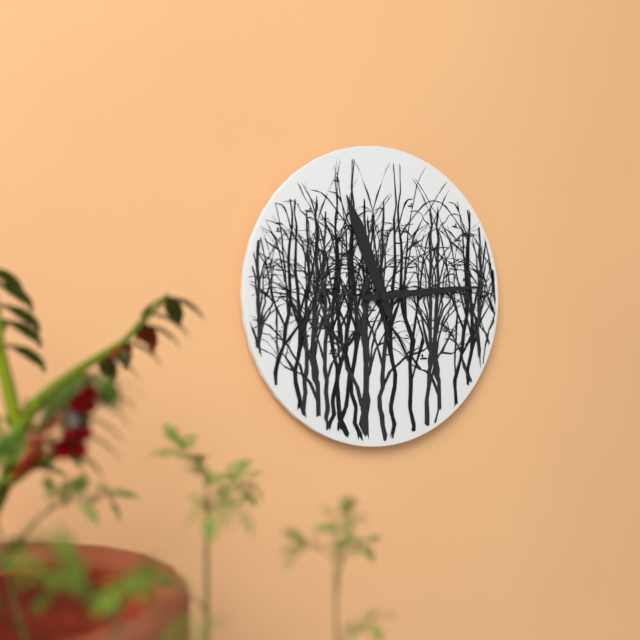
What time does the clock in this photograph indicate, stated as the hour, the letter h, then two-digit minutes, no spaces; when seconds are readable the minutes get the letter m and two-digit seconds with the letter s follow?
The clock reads 11h14
